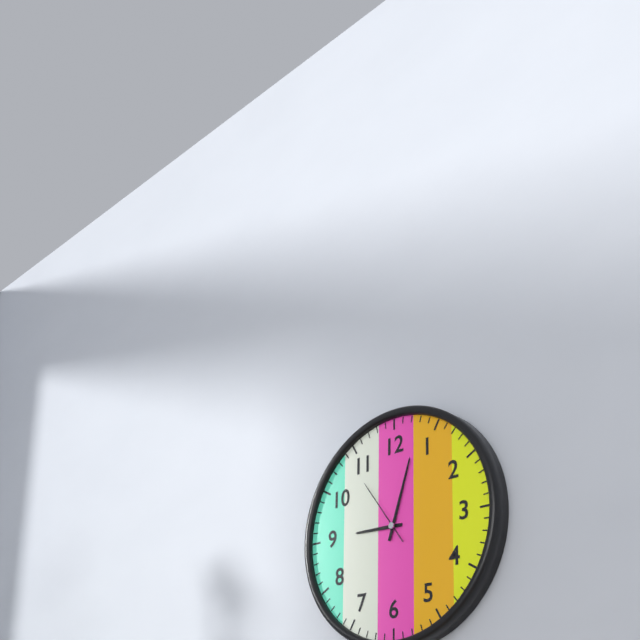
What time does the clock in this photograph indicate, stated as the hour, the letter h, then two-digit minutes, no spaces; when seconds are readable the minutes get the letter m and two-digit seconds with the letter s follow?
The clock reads 9h03m54s
